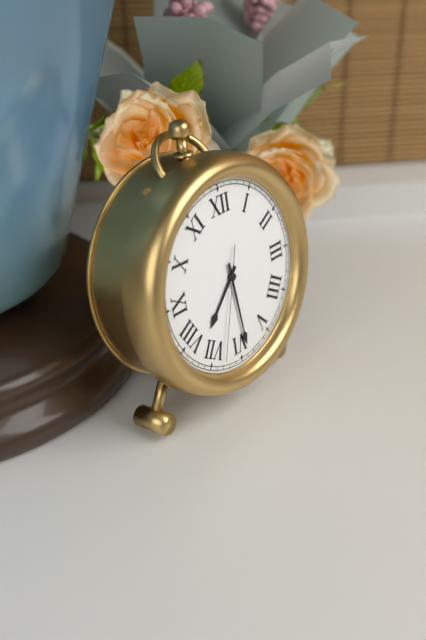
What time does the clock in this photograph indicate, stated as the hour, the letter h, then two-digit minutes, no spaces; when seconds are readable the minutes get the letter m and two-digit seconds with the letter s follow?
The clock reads 7h29m33s
